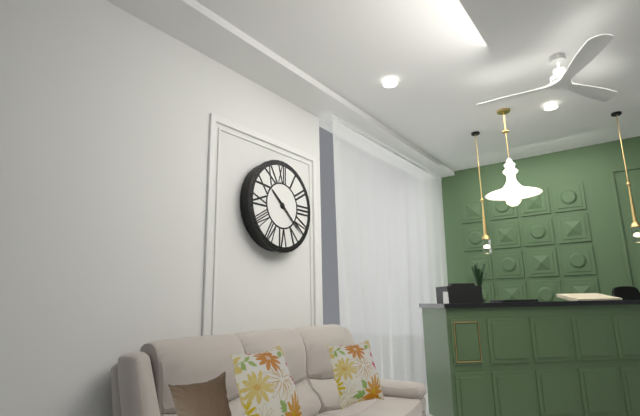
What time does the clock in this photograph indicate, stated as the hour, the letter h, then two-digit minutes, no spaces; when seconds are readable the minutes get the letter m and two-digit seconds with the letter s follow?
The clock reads 10h22
